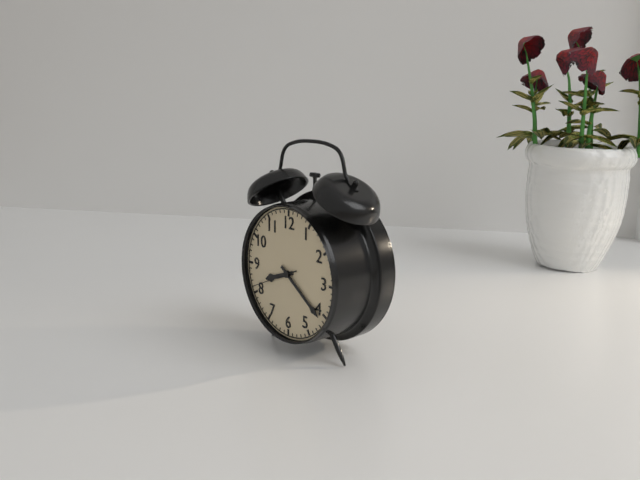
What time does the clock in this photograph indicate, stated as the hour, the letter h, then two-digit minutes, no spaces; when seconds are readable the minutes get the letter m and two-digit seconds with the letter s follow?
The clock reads 8h21
